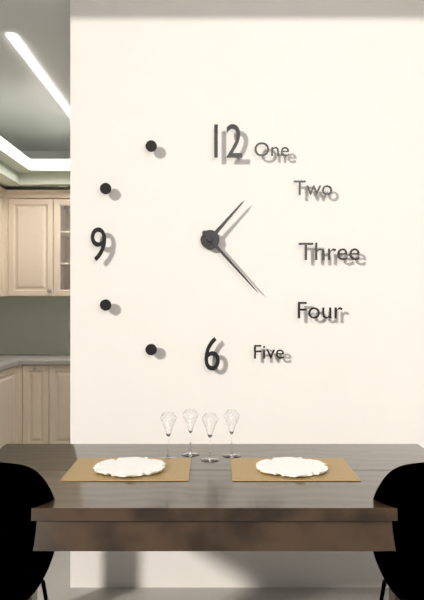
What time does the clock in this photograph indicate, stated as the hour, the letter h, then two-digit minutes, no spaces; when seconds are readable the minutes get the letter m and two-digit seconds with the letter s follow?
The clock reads 1h23
